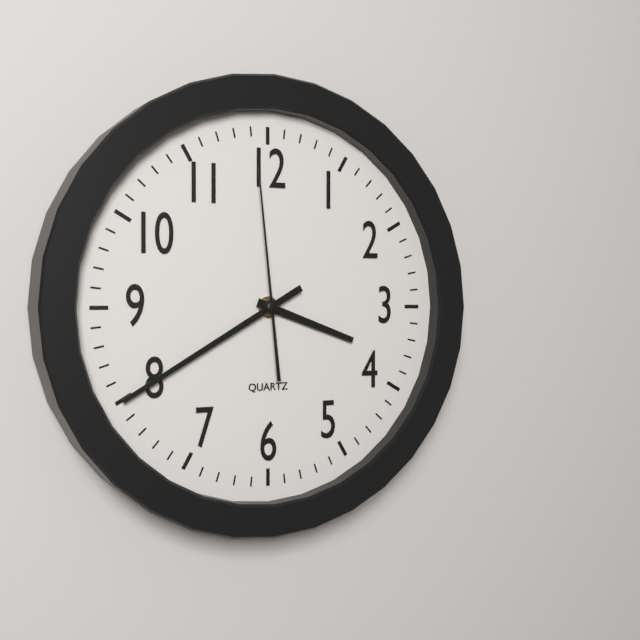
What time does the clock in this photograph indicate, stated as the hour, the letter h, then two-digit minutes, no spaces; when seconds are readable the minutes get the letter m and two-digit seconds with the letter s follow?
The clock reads 3h40m59s
